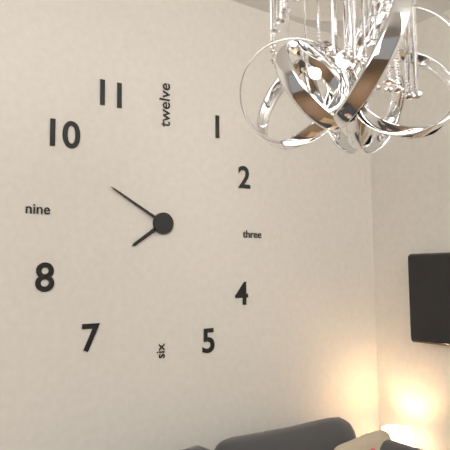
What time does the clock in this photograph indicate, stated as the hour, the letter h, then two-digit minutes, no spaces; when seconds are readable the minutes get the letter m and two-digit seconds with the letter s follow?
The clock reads 7h50
